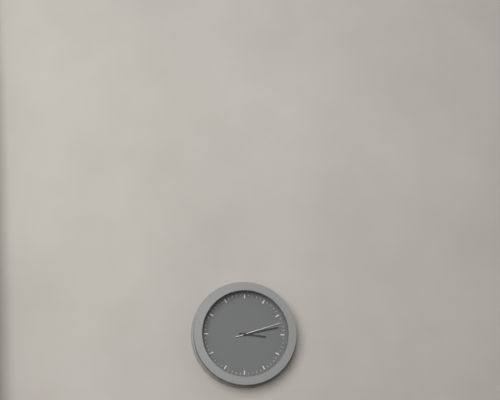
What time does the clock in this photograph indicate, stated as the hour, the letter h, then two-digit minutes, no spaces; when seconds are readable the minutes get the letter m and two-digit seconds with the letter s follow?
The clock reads 3h13
